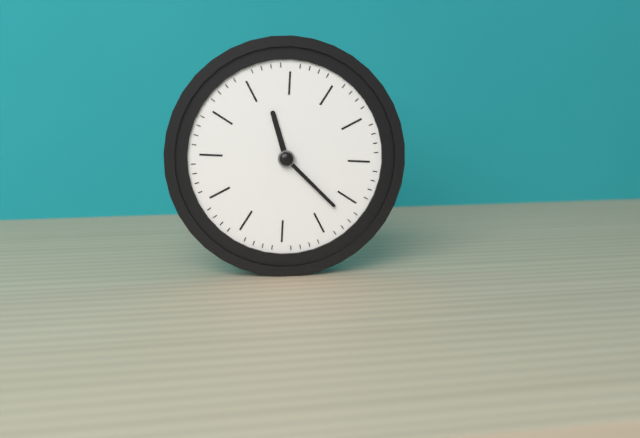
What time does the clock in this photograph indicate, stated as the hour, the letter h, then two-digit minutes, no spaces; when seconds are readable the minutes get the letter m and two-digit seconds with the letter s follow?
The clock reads 11h22
